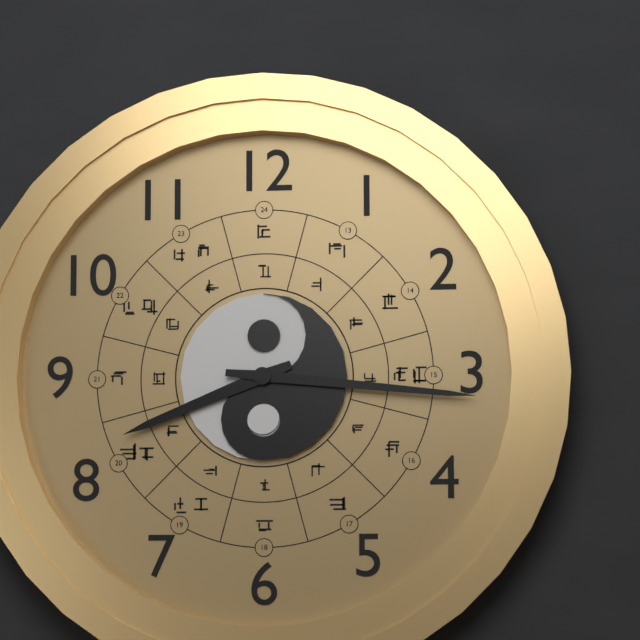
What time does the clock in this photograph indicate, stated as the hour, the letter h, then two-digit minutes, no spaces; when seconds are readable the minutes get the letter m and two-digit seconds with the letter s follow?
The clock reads 8h16
